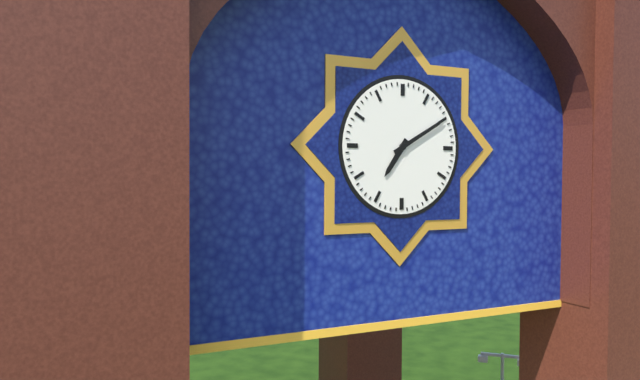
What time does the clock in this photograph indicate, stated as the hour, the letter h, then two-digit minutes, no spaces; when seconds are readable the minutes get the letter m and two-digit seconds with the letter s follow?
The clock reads 7h10
